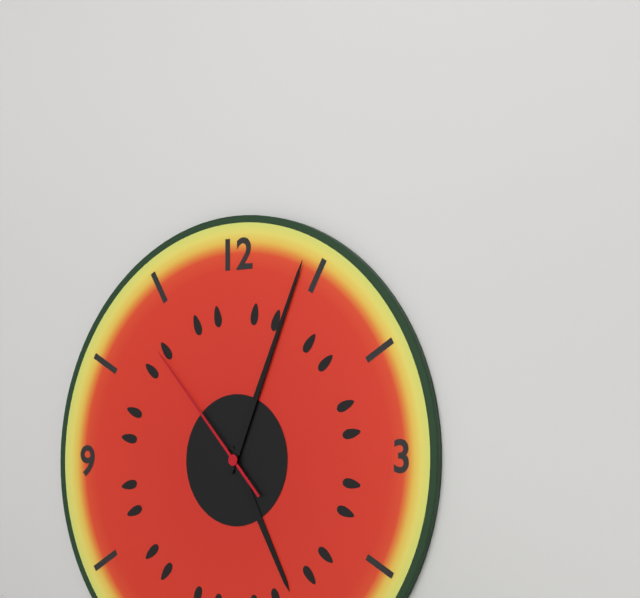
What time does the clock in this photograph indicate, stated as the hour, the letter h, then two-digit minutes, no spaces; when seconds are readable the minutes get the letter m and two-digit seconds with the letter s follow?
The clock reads 5h04m53s
